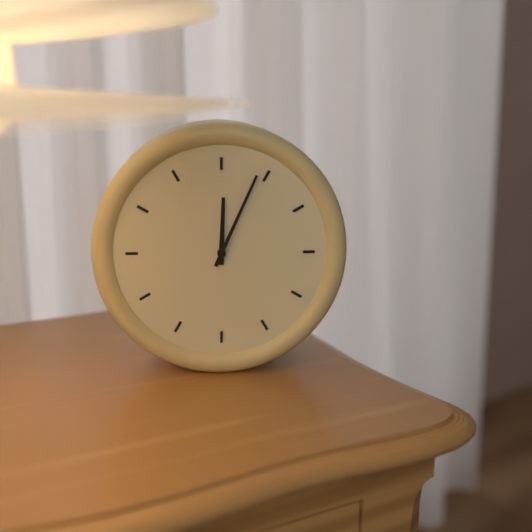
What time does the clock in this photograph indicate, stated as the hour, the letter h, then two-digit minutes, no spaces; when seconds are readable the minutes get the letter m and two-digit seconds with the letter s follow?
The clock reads 12h04
